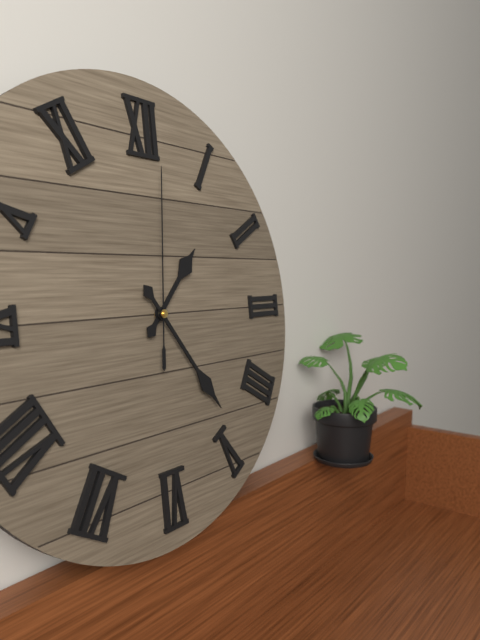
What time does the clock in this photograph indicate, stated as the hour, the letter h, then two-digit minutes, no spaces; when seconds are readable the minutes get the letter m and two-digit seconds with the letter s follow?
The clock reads 1h24m01s
